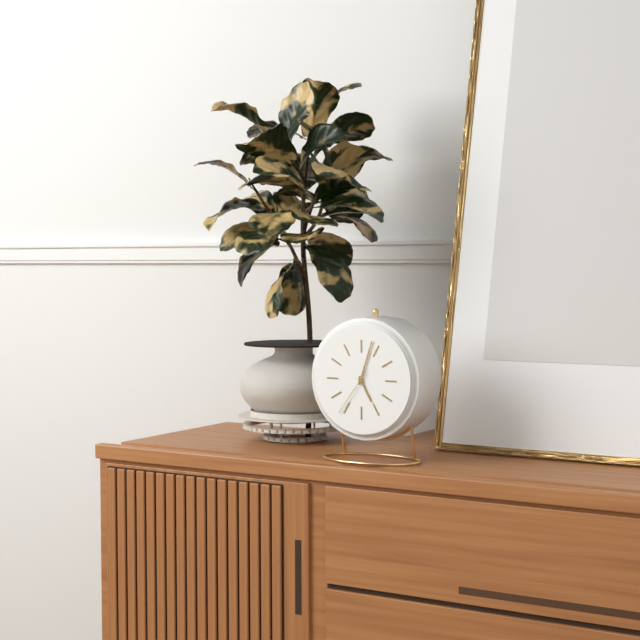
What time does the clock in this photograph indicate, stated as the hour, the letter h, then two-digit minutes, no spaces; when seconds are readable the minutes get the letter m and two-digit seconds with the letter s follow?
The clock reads 5h03m36s
